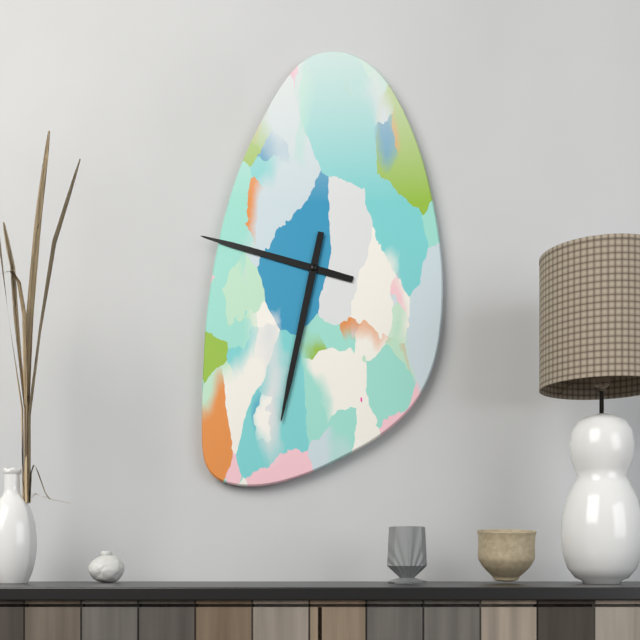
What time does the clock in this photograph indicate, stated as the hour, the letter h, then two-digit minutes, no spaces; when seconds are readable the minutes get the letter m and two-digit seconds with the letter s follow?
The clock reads 9h32
